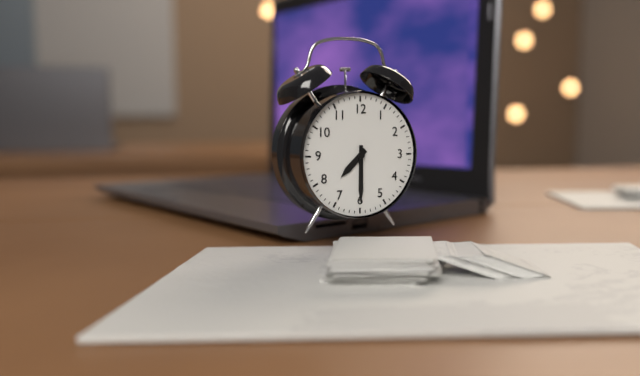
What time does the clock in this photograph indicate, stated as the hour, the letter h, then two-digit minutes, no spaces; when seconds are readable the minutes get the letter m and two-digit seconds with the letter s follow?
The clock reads 7h30
